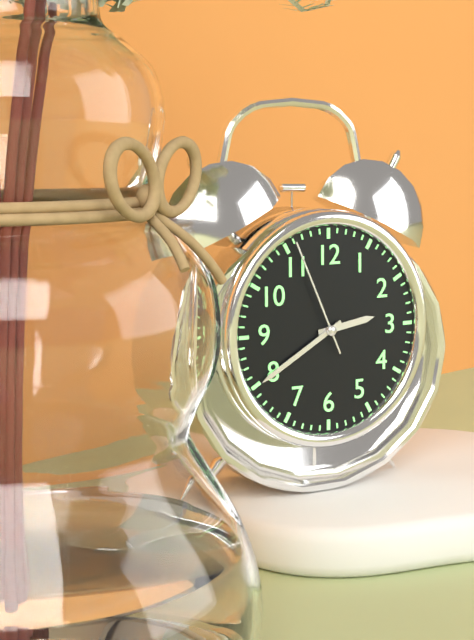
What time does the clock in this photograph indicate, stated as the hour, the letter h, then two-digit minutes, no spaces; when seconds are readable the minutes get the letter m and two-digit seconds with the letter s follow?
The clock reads 2h40m56s
